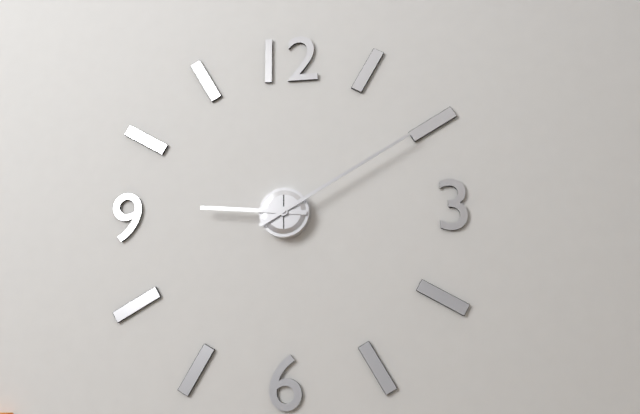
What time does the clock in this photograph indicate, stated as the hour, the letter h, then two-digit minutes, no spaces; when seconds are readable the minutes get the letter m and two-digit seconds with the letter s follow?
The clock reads 9h10
